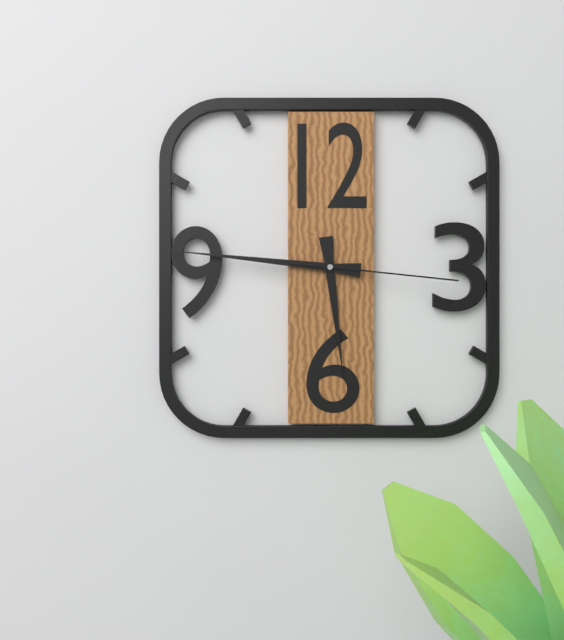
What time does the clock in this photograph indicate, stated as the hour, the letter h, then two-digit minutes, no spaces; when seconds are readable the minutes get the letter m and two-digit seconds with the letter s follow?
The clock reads 5h46m16s
